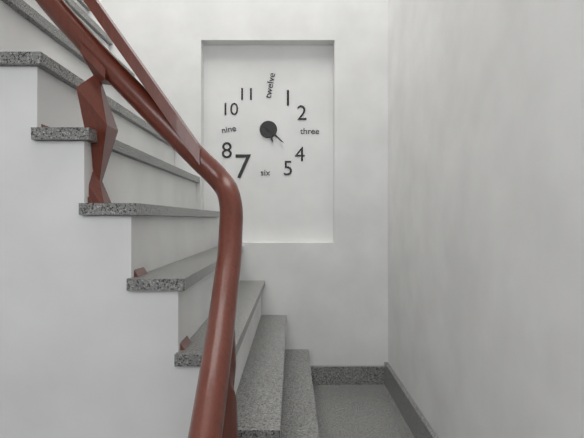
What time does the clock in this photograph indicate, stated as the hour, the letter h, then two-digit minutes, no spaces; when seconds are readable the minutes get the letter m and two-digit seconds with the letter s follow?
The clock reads 5h22
